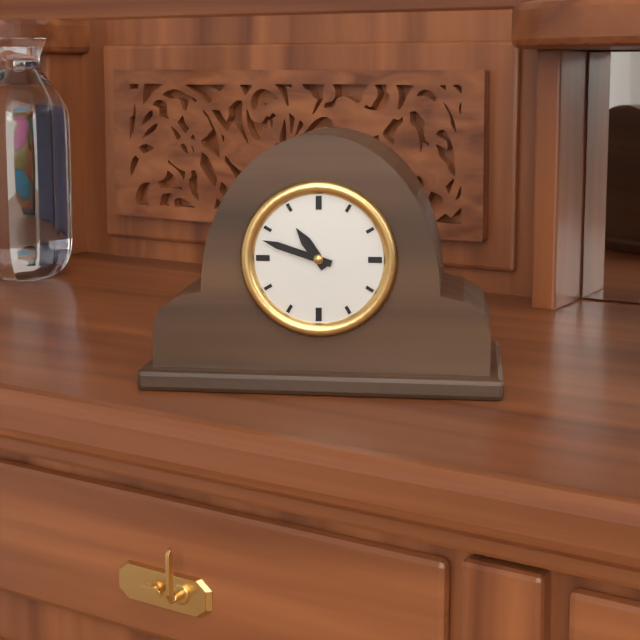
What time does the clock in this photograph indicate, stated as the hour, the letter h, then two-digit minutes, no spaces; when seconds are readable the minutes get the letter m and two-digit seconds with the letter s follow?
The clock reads 10h48
